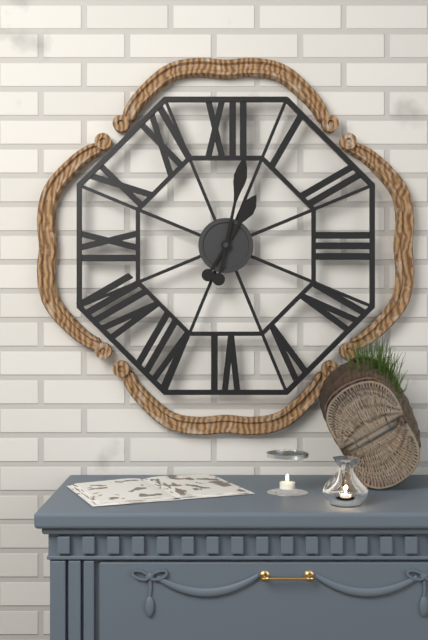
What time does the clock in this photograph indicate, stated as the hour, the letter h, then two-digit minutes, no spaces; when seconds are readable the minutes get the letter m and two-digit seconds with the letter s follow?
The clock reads 1h02
